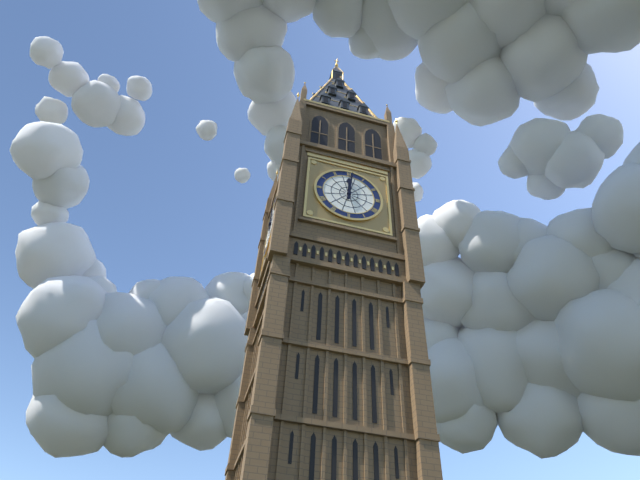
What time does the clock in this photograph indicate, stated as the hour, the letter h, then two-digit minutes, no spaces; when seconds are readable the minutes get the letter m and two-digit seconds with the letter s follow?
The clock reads 12h01
